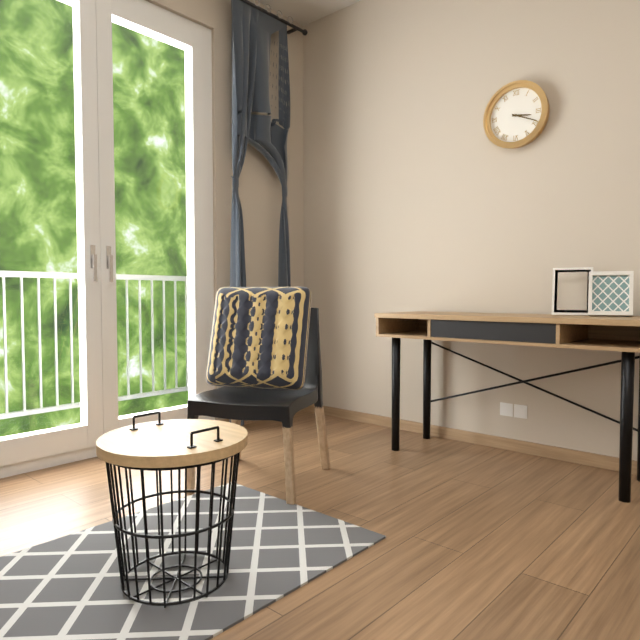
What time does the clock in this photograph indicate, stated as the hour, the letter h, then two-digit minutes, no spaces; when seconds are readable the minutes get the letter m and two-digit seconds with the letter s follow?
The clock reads 3h19
